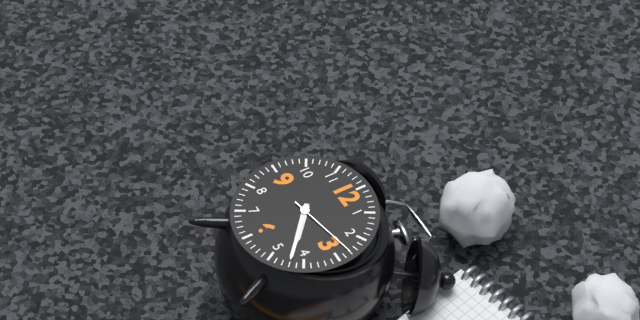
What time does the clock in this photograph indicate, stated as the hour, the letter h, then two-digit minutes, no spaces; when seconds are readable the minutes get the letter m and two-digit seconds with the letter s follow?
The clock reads 4h22m13s
